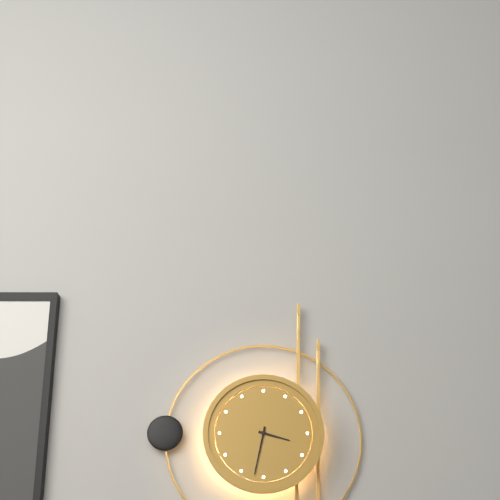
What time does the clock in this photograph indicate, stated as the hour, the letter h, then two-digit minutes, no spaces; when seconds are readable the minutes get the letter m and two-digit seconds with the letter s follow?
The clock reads 3h32
